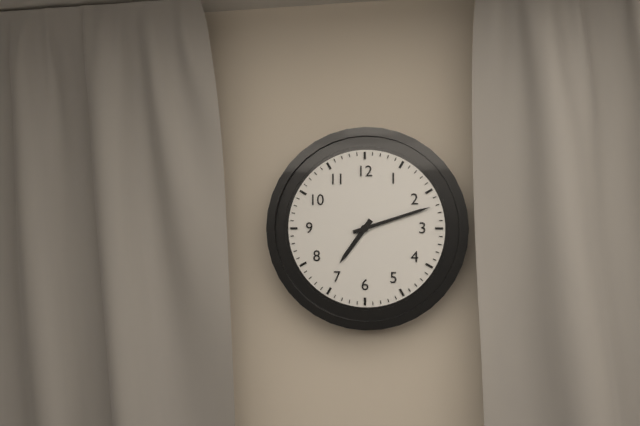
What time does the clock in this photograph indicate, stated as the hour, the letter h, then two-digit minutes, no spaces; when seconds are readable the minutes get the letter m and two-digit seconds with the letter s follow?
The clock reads 7h12
